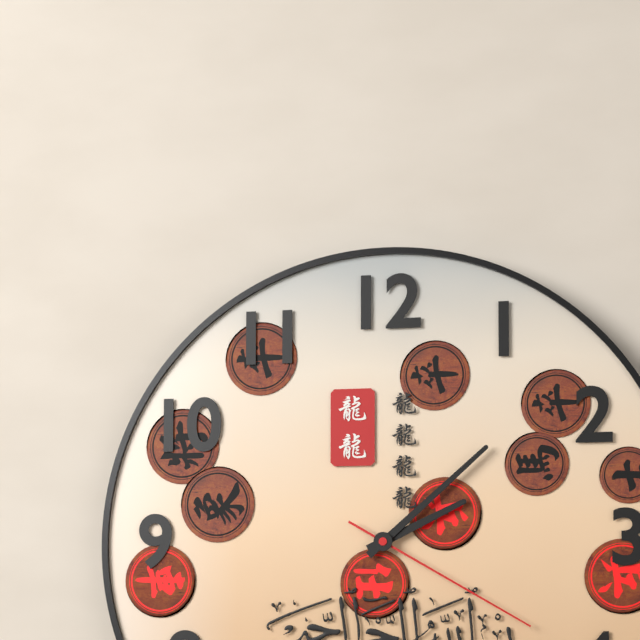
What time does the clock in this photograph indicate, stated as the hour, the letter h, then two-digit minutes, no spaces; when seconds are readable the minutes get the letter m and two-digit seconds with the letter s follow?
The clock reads 2h08m20s
